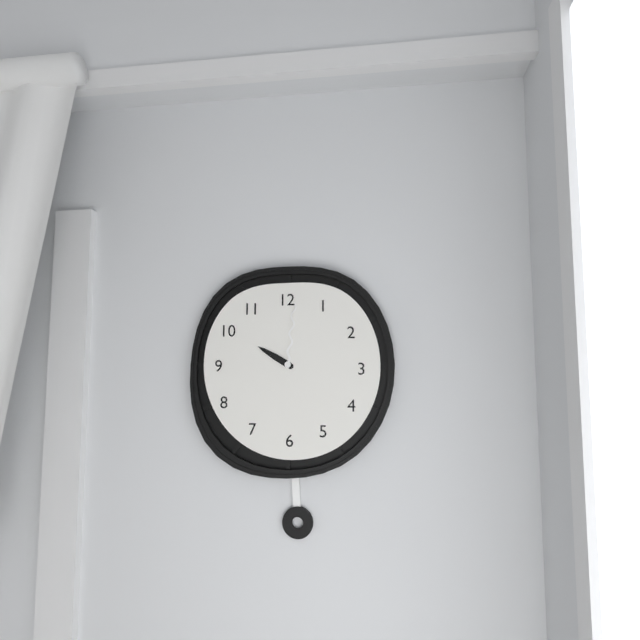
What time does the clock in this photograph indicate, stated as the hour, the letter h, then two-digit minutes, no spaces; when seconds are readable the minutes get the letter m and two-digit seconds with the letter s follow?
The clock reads 10h01
